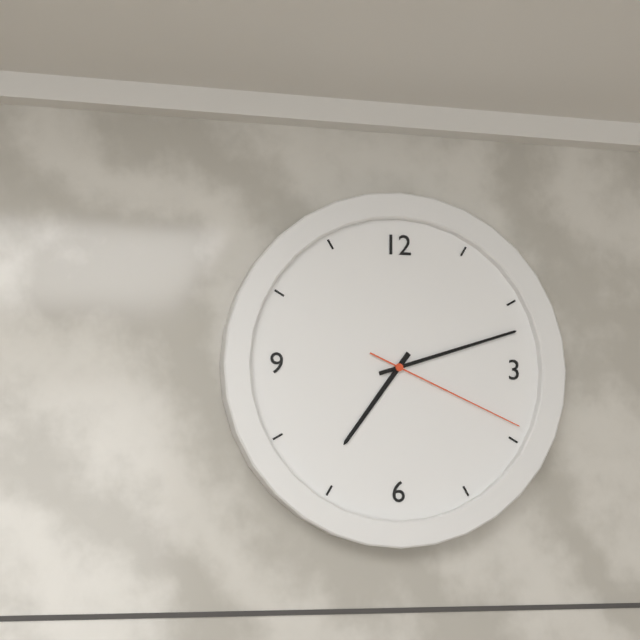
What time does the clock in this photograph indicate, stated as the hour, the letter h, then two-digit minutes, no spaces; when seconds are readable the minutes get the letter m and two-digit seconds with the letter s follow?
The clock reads 7h12m19s
